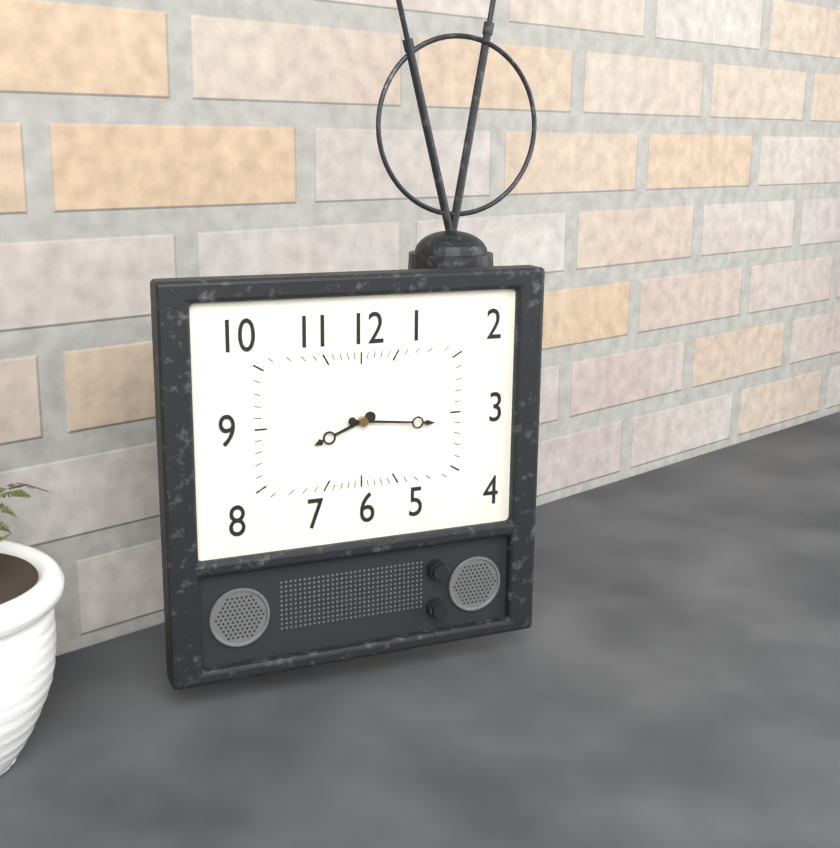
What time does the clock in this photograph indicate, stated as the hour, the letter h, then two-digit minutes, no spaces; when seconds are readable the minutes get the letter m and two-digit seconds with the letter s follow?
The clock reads 8h16
